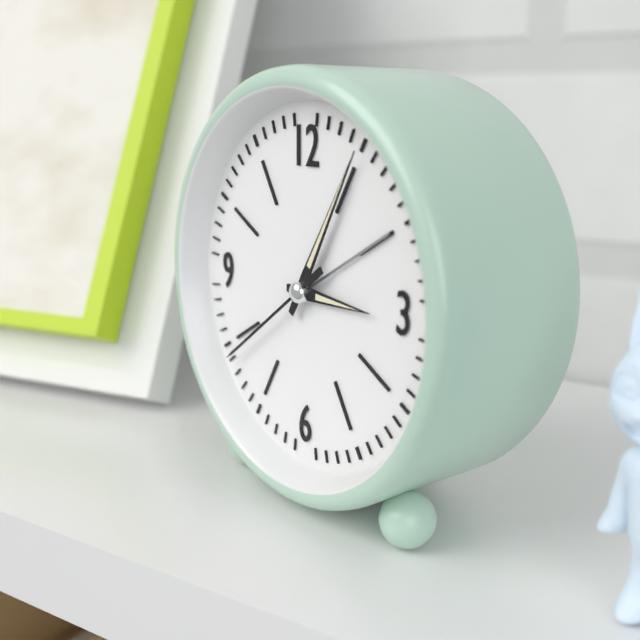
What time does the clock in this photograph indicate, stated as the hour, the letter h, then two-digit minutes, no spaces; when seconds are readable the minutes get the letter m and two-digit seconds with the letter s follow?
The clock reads 3h05m39s
